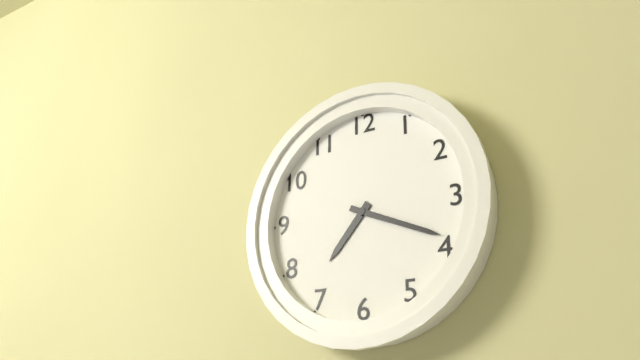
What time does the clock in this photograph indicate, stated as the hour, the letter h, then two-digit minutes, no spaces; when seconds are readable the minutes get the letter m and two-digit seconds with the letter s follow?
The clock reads 7h19
